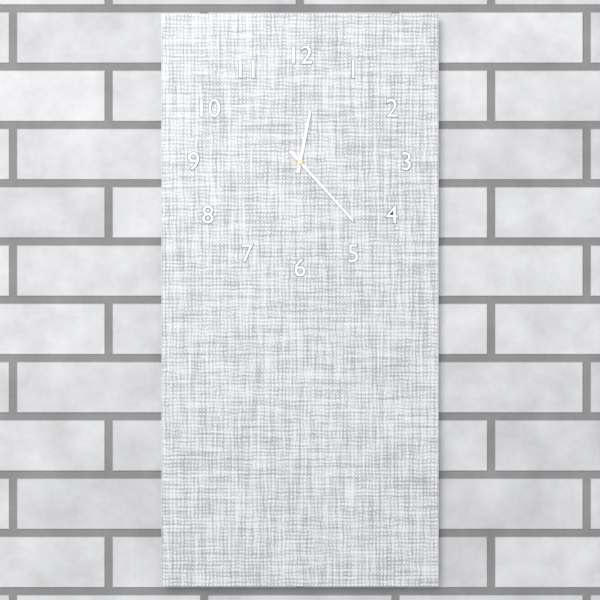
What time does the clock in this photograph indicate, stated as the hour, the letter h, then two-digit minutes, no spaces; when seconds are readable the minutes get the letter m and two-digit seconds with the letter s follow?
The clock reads 12h23
